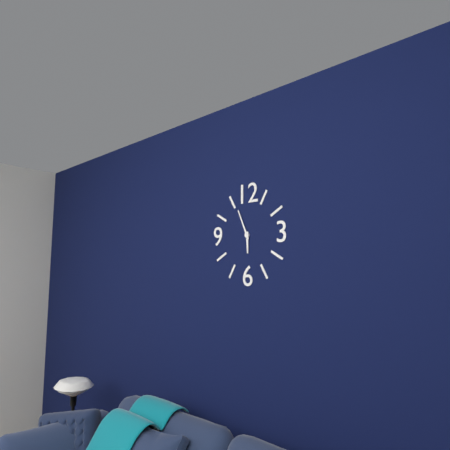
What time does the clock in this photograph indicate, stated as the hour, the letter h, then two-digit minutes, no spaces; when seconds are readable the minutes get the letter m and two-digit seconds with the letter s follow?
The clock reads 5h56
